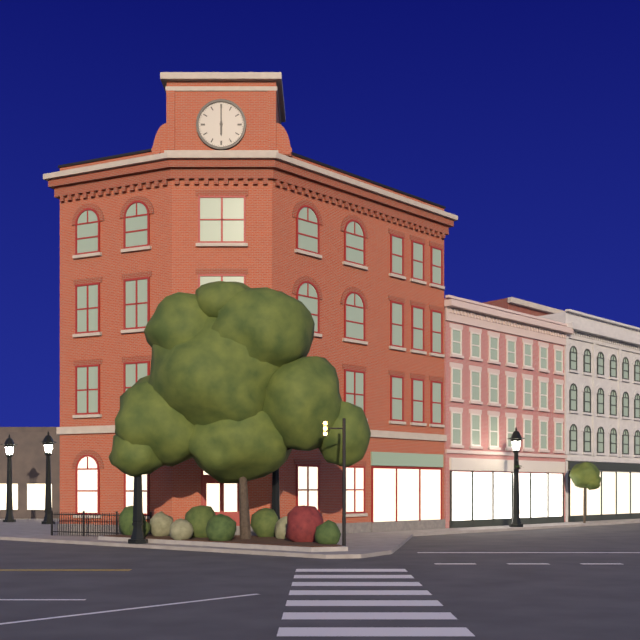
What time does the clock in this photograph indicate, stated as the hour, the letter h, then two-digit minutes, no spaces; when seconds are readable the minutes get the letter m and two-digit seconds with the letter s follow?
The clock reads 6h00
